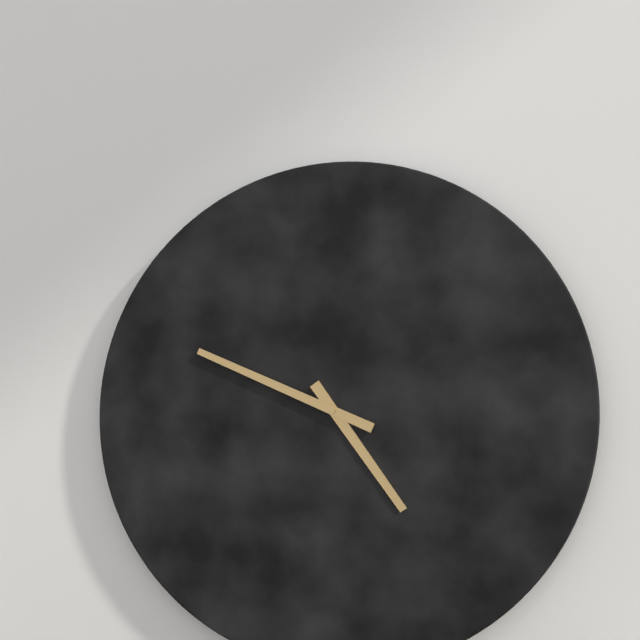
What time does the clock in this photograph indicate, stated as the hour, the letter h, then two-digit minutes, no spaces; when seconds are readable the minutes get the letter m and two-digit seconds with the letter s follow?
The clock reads 4h49
